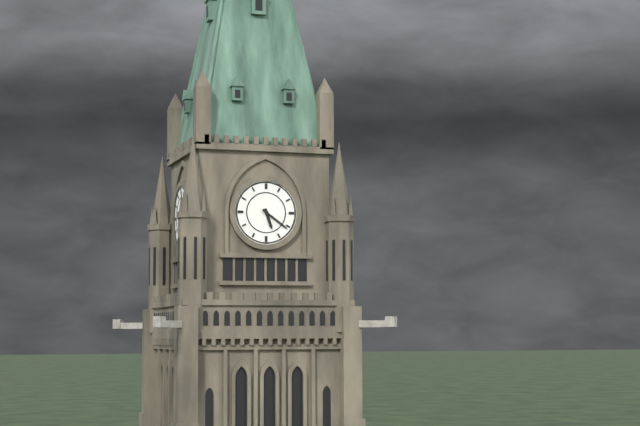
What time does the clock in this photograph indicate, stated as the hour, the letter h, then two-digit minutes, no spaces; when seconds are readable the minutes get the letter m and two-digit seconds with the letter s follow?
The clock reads 5h21
